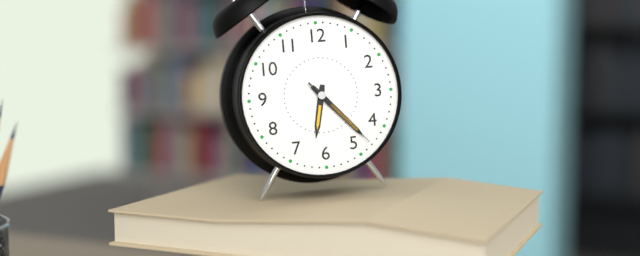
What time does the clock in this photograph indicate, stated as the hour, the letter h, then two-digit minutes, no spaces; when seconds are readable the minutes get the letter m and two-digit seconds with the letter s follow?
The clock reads 6h23m23s
